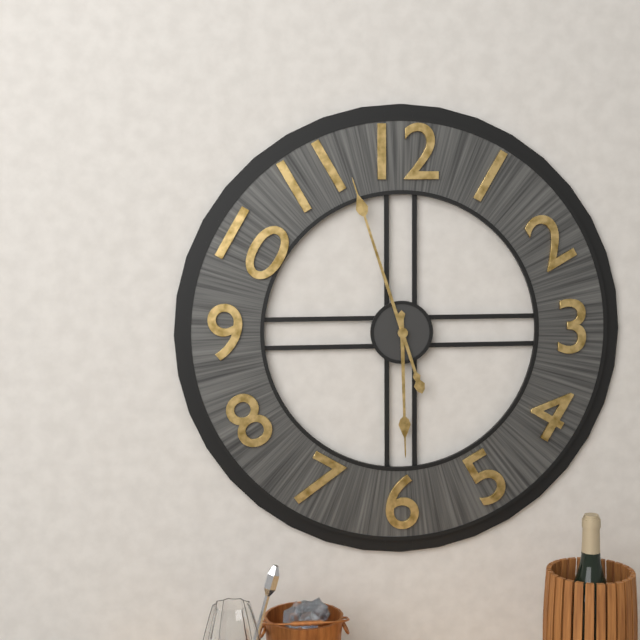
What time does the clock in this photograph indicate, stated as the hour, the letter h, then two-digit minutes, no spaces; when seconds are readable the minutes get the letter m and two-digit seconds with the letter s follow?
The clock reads 5h57
